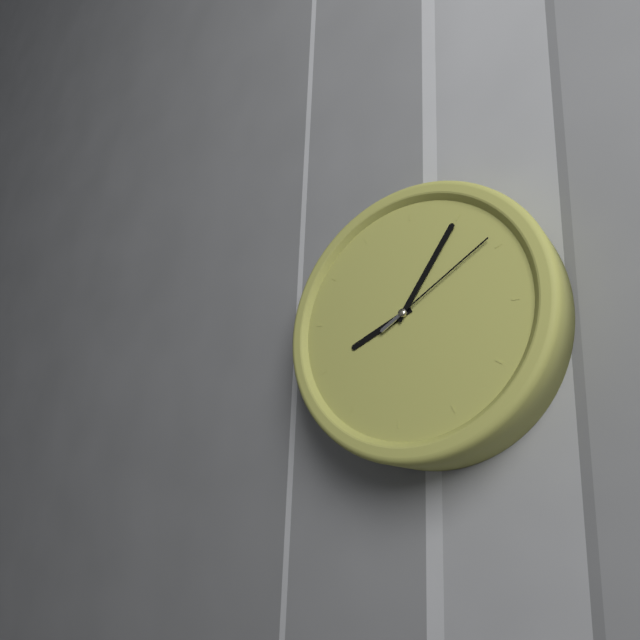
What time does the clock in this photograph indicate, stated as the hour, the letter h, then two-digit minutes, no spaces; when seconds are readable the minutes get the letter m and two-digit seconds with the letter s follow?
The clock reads 8h05m09s
